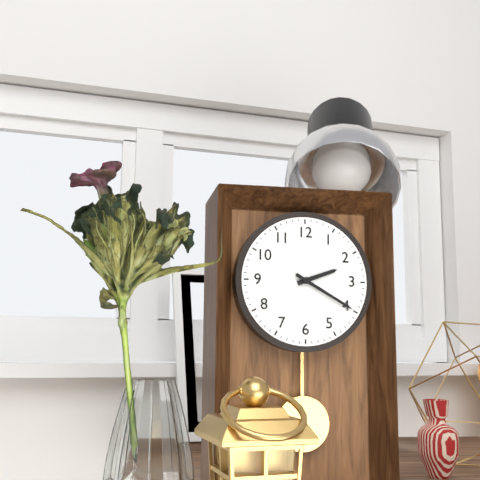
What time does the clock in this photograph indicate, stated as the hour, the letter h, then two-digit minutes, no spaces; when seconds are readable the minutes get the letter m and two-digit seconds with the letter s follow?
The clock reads 2h20
